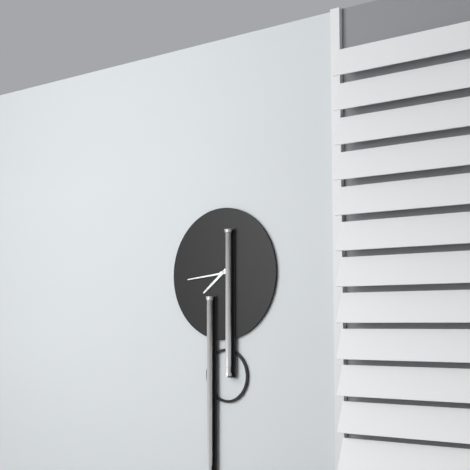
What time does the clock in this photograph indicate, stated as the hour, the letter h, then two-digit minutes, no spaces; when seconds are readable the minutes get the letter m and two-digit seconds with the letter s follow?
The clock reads 7h44
